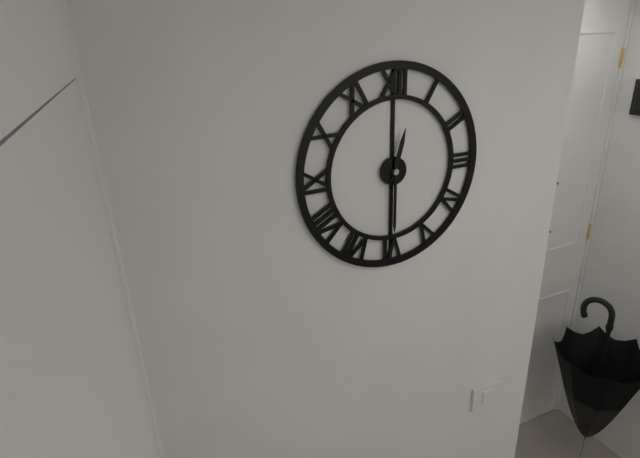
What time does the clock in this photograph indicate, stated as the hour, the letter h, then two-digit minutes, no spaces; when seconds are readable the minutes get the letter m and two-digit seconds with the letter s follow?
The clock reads 12h30
